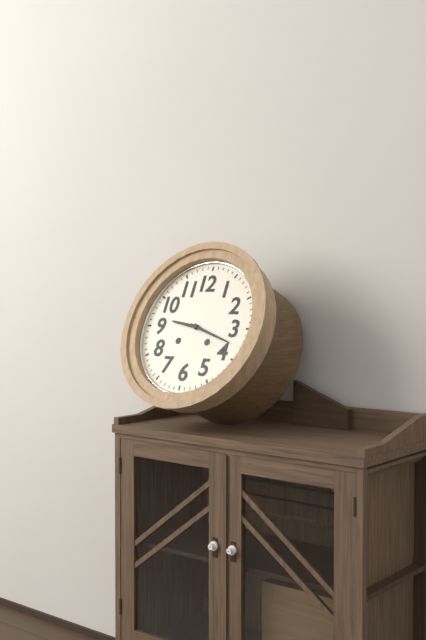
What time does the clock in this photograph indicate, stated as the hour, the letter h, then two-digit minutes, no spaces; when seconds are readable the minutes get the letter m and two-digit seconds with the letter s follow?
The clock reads 9h18
